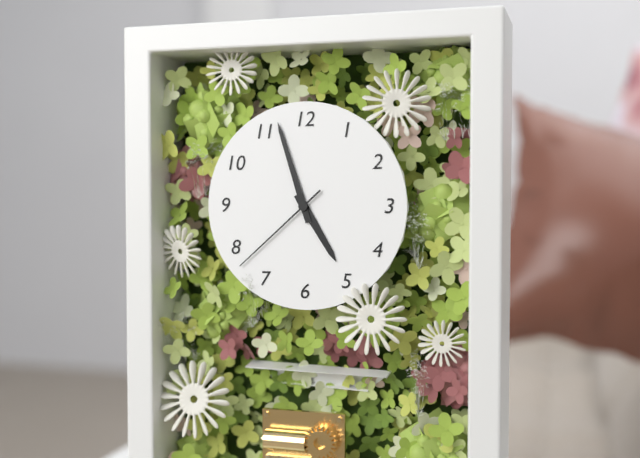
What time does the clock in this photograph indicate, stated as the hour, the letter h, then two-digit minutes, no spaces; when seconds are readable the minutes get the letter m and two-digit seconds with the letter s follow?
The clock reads 4h57m38s
